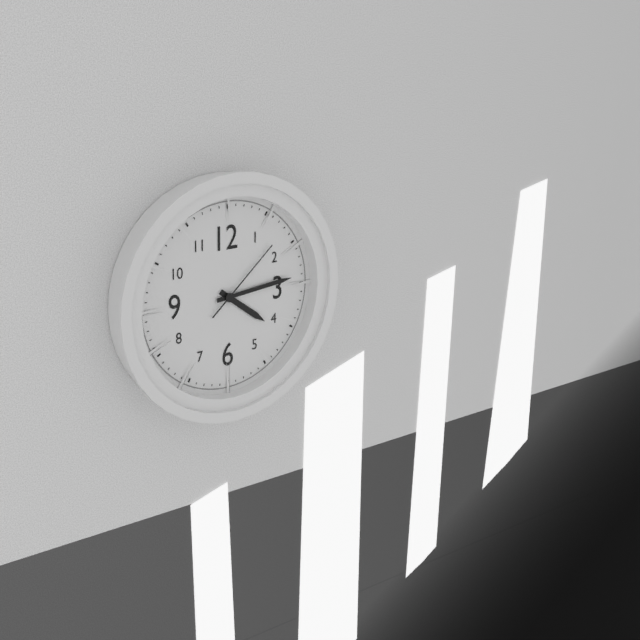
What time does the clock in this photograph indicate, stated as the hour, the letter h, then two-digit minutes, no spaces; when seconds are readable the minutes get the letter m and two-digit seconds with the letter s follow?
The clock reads 4h14m08s
